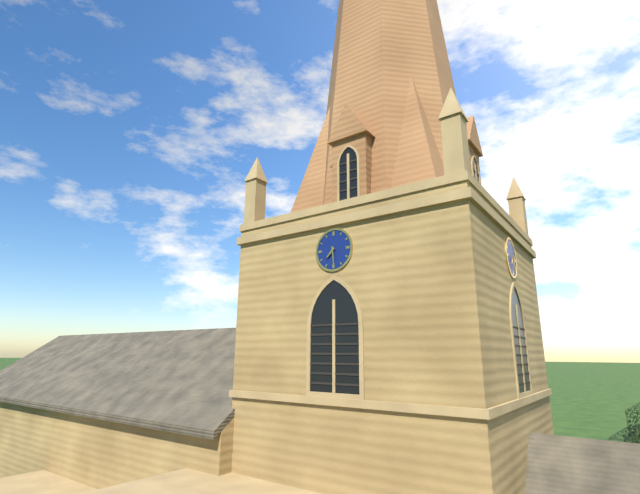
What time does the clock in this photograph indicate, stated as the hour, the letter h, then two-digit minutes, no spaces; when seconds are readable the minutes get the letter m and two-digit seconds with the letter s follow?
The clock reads 7h29
